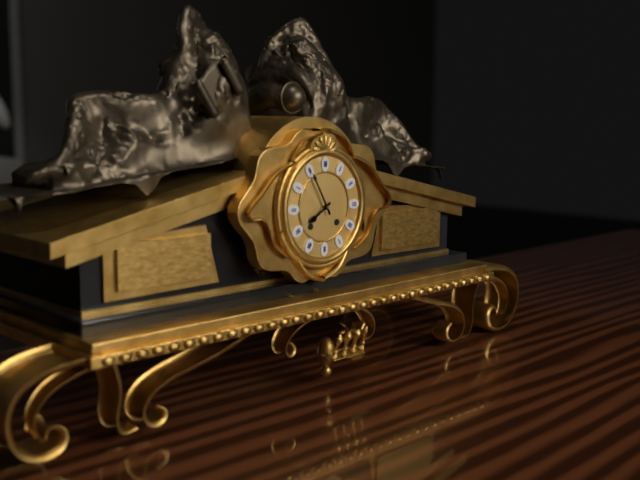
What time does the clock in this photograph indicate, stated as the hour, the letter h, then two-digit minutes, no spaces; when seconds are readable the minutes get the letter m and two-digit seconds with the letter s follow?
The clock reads 7h55
